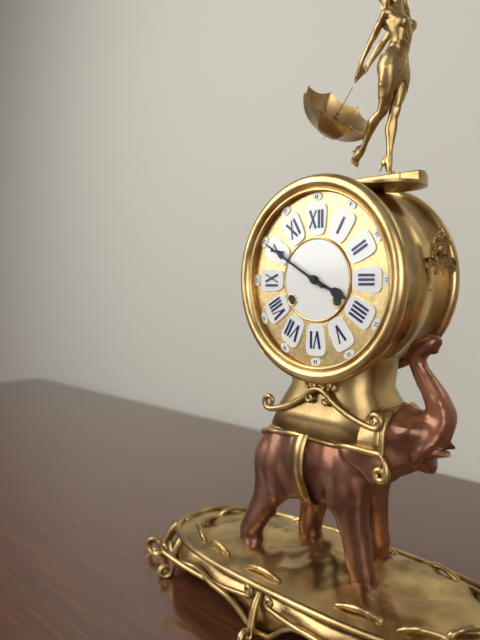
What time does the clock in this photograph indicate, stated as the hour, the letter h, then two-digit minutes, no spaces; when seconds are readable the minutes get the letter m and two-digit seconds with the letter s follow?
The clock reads 3h50
